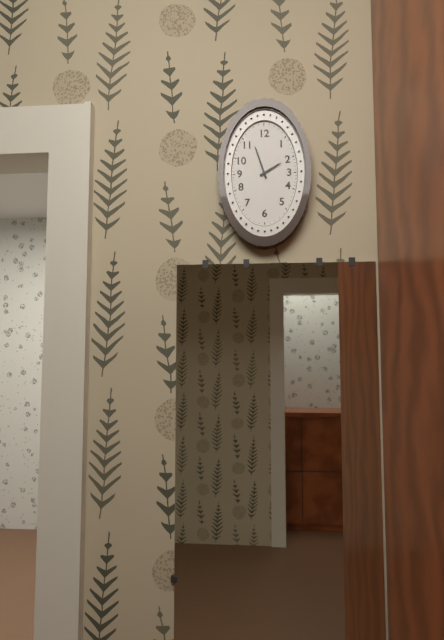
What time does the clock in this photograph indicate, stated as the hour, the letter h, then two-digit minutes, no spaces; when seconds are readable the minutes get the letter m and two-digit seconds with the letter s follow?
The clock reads 1h57
